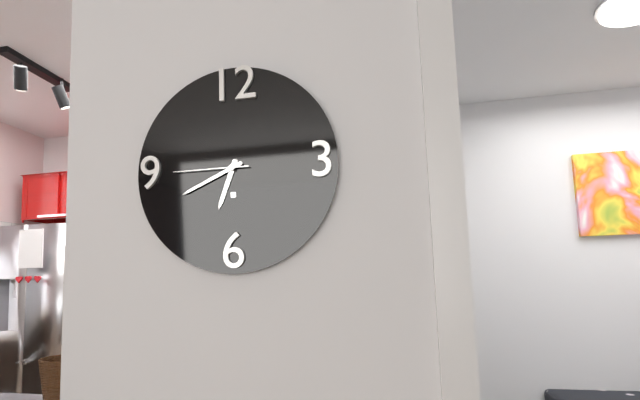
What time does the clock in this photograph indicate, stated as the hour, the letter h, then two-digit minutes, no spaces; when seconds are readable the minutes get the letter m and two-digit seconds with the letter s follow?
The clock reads 6h41m45s
